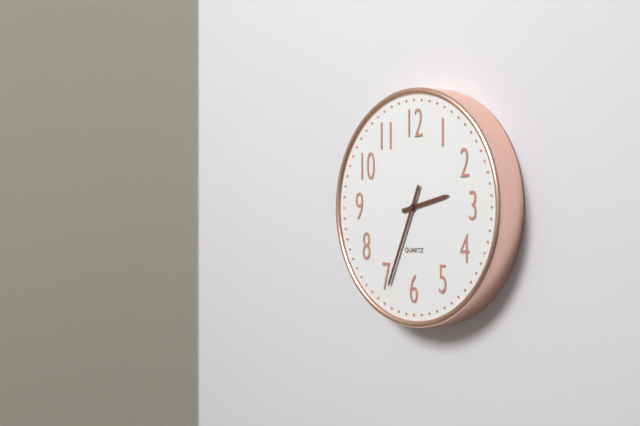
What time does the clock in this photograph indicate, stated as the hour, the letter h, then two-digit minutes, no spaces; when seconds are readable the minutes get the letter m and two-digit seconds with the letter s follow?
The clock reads 2h34
